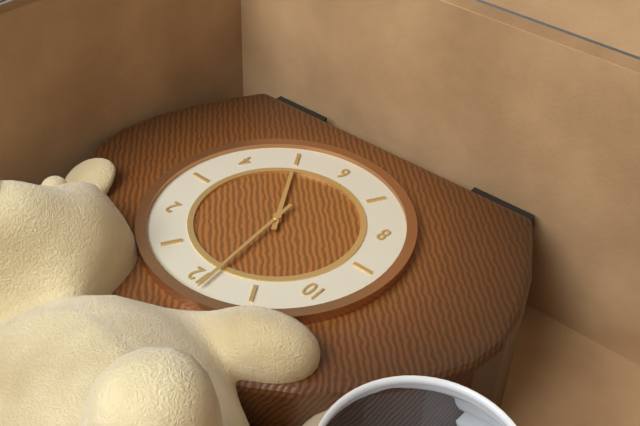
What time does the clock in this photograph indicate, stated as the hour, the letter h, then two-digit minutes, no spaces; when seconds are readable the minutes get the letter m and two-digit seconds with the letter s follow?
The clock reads 4h59
